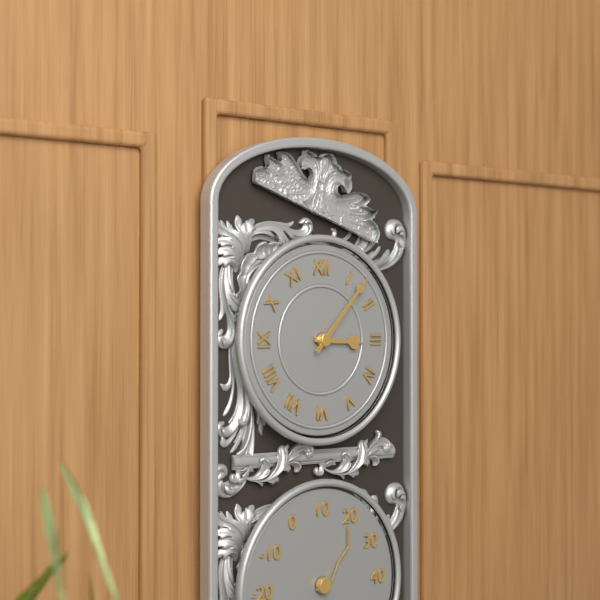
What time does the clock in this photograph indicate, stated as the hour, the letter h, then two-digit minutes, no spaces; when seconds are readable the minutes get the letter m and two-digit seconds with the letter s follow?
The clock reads 3h07
